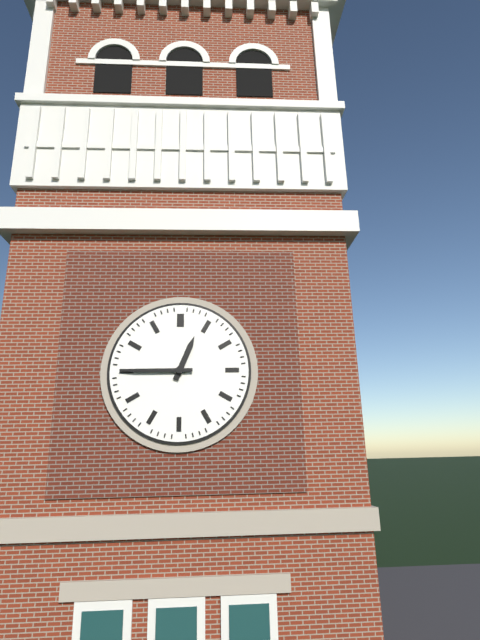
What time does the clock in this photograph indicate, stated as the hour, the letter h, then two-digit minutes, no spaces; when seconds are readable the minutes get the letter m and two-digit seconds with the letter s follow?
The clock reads 12h45
